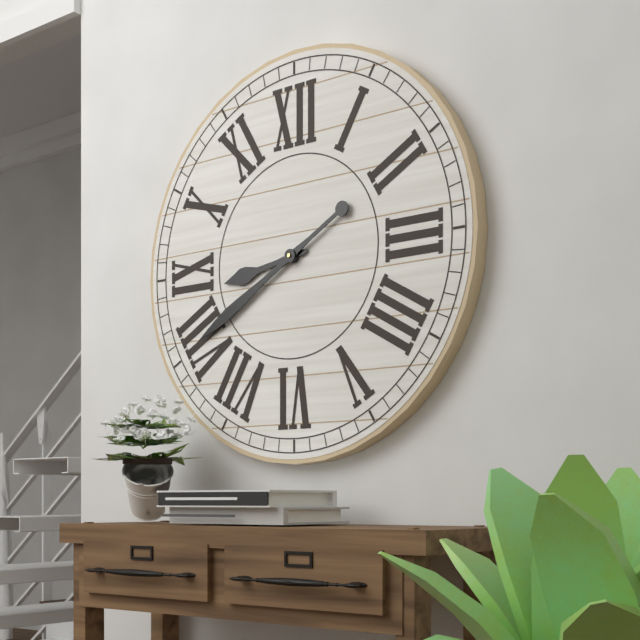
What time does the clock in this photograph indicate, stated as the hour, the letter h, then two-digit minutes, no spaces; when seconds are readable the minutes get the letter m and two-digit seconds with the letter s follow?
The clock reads 8h40
